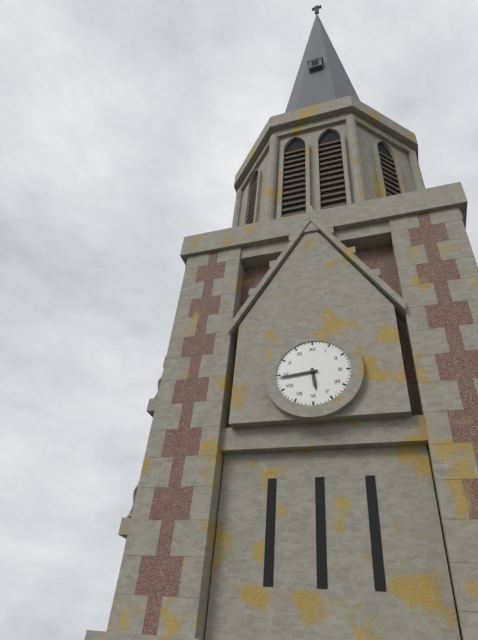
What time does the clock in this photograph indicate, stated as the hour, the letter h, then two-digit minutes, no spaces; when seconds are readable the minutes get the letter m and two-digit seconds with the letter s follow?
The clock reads 5h44
